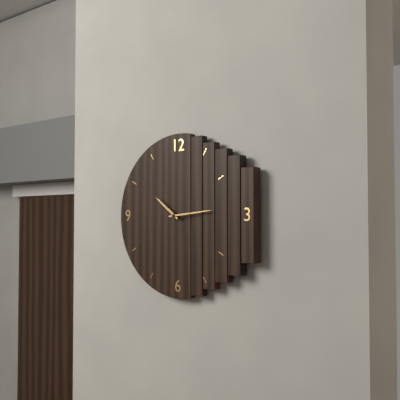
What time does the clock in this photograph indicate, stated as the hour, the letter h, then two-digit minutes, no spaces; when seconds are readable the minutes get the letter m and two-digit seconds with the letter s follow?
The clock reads 10h14
